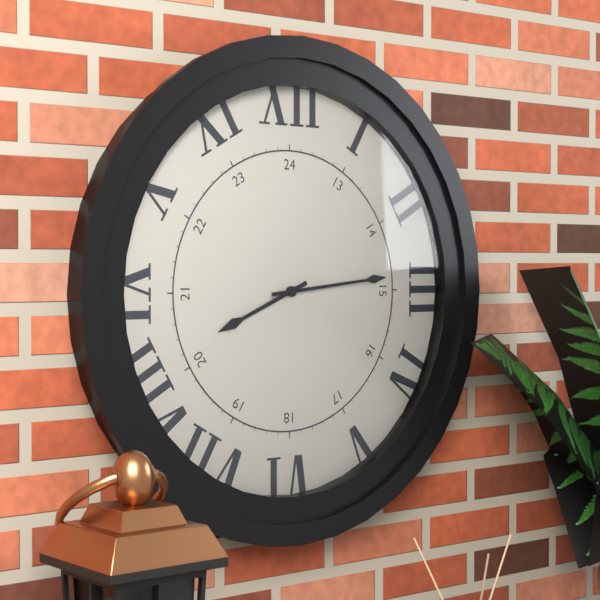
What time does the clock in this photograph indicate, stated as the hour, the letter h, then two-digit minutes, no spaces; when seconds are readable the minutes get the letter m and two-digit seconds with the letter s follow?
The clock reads 8h14
